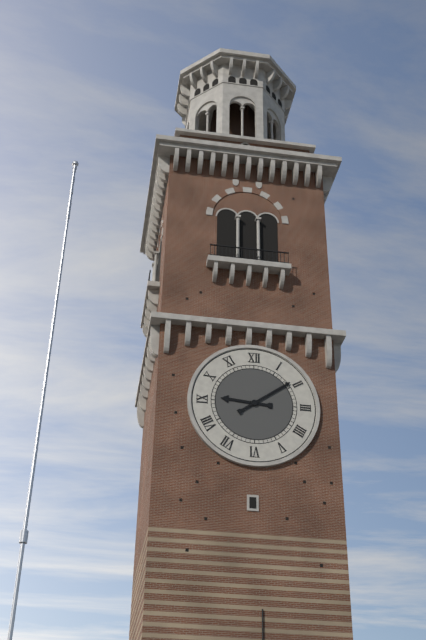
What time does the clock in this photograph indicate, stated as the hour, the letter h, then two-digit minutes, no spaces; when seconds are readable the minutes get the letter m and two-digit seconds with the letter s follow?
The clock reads 9h09
